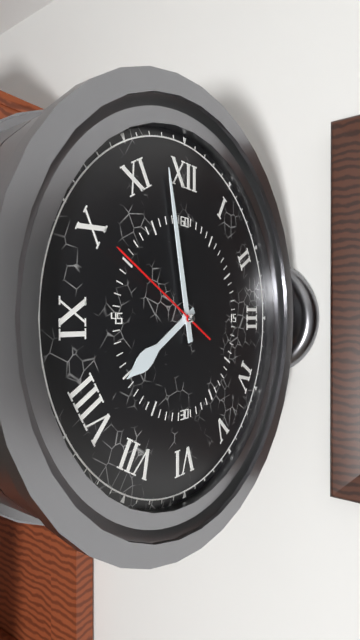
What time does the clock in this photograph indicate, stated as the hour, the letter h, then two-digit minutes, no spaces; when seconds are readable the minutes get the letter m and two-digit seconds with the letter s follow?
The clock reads 7h58m50s
